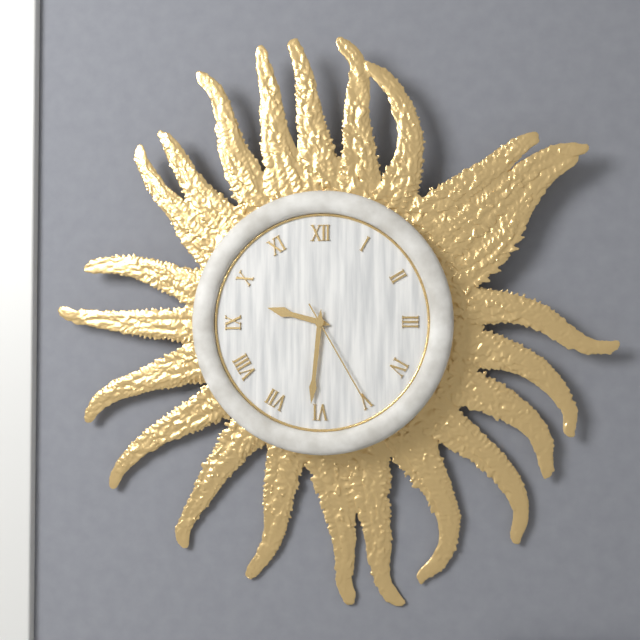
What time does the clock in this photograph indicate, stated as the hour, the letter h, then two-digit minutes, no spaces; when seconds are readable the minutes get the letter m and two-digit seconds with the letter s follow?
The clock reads 9h31m25s
